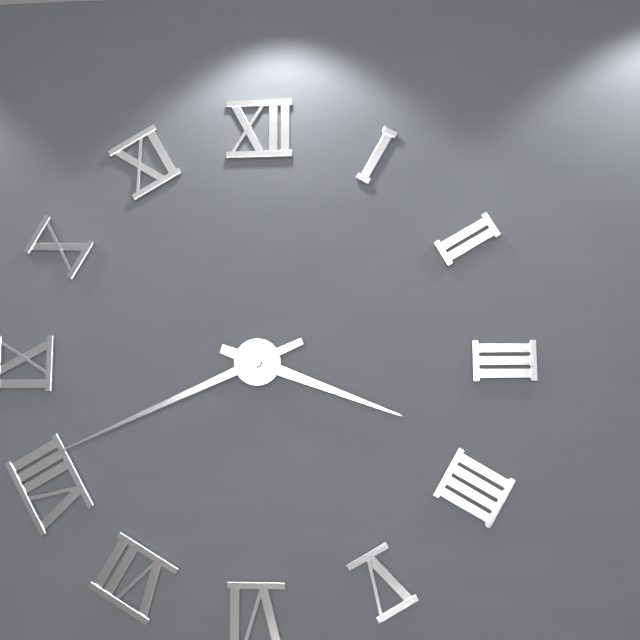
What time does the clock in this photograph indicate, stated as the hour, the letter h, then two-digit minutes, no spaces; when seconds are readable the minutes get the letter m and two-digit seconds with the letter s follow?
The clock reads 3h41
